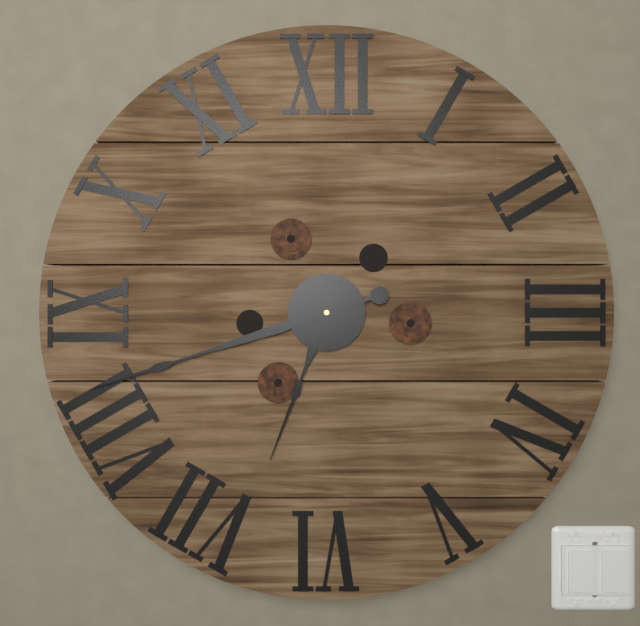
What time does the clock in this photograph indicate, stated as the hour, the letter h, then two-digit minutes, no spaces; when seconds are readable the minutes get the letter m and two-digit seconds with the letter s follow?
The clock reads 6h42
